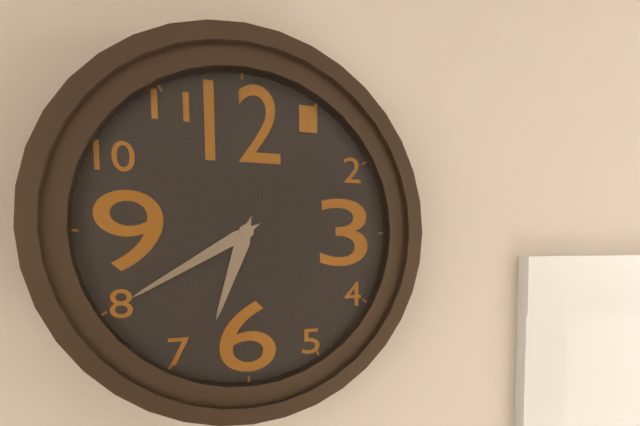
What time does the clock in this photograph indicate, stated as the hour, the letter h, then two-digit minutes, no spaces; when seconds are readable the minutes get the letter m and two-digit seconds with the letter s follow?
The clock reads 6h40
